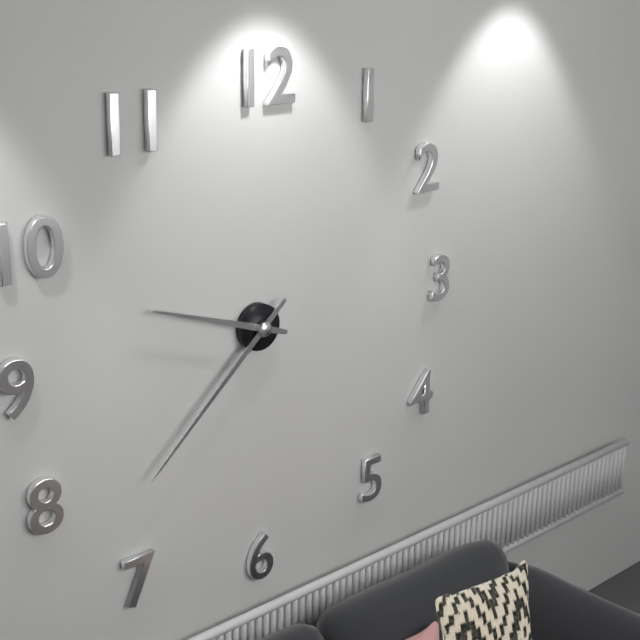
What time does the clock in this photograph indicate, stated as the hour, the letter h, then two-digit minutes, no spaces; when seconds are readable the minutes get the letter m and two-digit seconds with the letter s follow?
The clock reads 9h38
